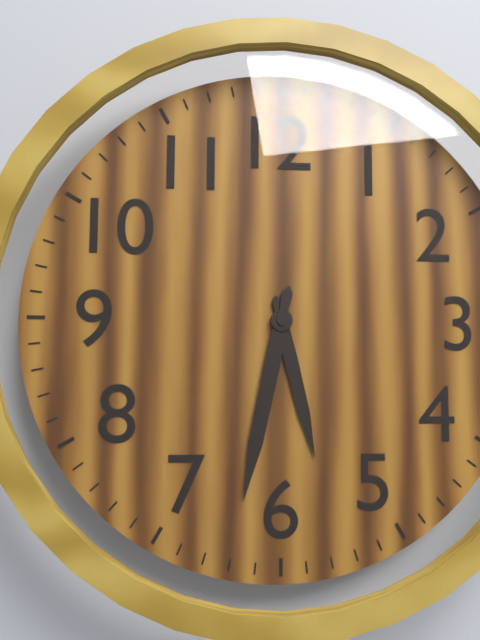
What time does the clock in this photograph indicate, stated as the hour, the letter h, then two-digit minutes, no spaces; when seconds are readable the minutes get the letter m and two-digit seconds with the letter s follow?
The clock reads 5h32
